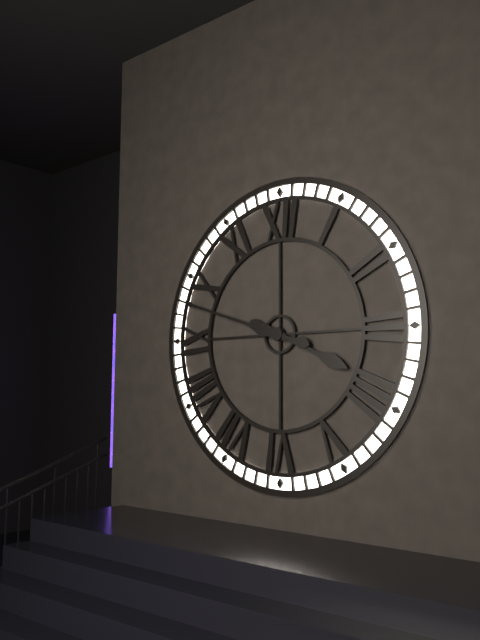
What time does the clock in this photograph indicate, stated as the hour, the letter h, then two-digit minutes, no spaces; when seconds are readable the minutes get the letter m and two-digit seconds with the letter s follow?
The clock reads 3h48
